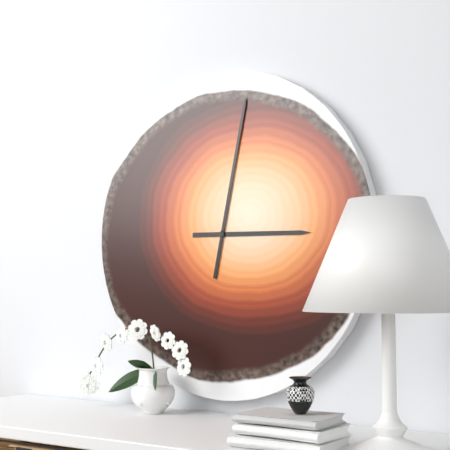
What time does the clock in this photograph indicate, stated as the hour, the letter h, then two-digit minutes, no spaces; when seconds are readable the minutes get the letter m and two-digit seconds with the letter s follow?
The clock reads 3h02
